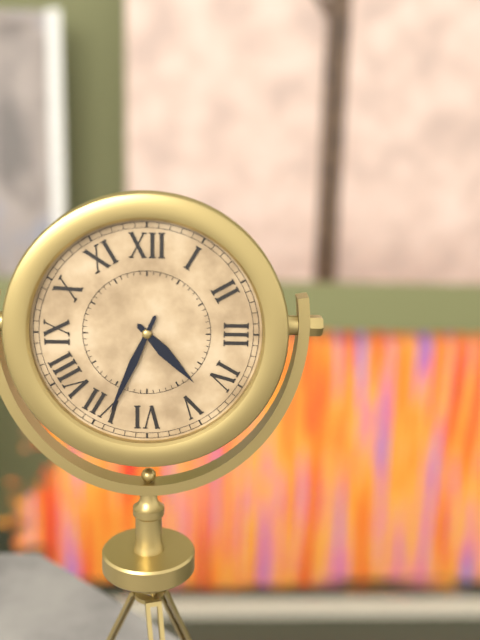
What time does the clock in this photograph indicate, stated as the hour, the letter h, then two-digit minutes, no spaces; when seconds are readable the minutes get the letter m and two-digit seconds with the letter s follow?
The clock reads 4h34
